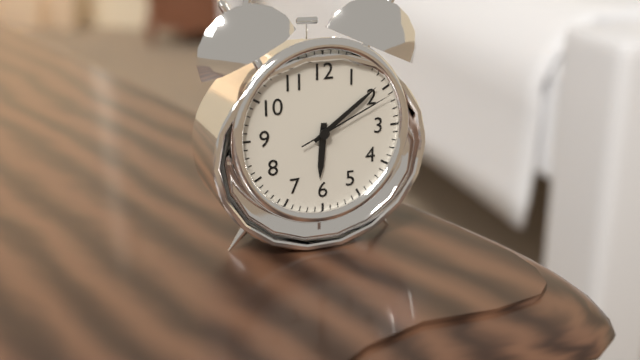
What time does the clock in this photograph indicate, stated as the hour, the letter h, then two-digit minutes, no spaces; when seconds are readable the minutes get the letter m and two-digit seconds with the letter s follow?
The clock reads 6h09m11s
